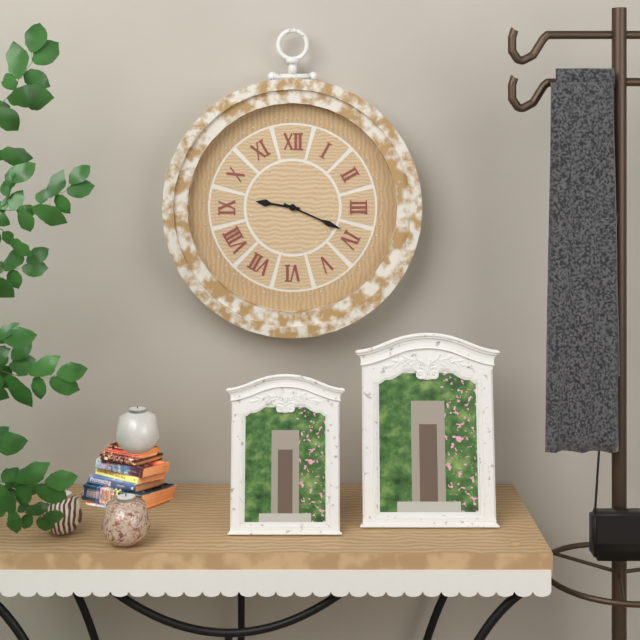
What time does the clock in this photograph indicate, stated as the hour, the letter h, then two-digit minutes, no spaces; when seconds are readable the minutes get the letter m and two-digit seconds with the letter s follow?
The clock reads 9h19
